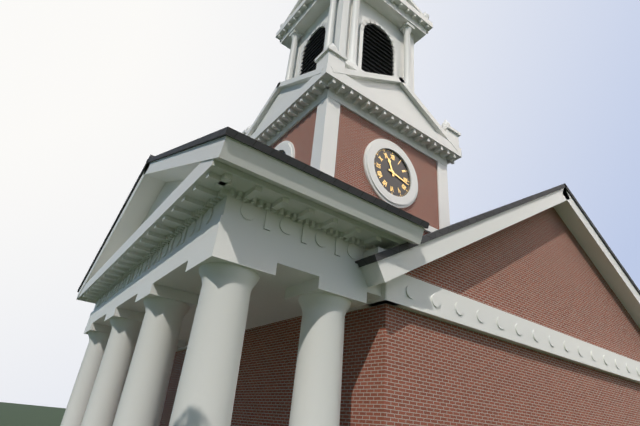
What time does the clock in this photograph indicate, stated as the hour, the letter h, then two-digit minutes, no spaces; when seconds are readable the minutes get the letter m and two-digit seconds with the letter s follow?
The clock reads 11h17
